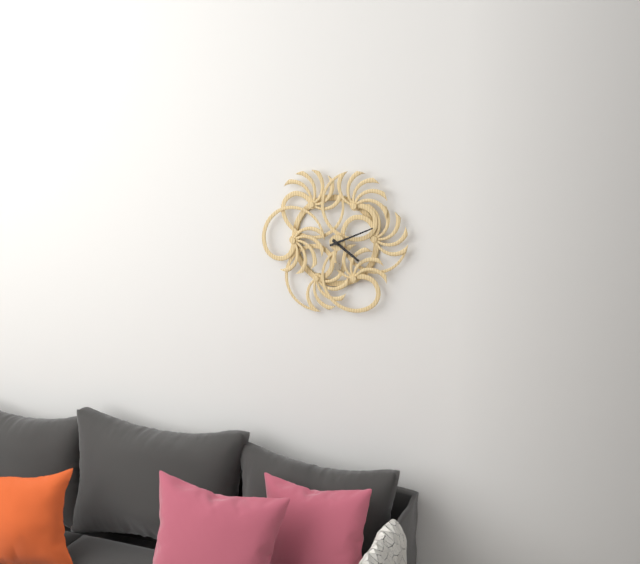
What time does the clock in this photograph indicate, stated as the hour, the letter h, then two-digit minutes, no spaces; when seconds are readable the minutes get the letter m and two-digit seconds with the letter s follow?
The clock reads 4h11
